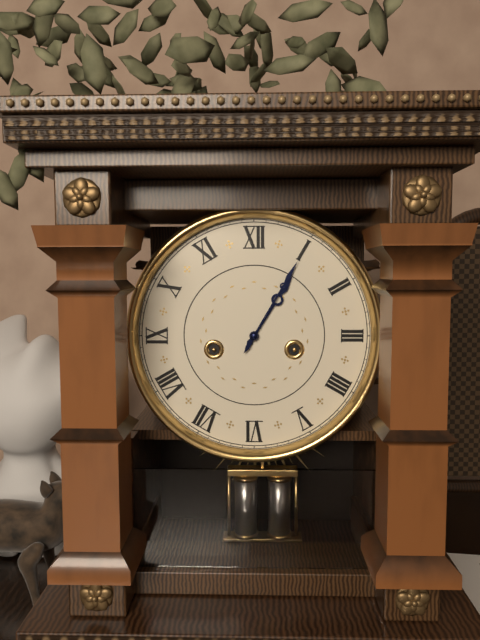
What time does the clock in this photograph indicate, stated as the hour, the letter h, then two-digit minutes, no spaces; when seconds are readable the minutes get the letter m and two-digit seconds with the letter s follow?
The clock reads 1h05
